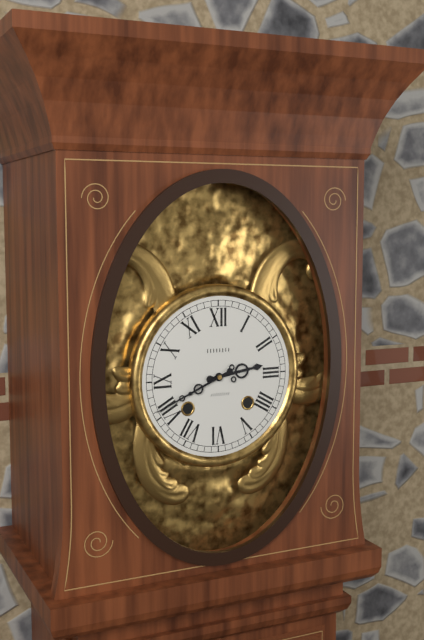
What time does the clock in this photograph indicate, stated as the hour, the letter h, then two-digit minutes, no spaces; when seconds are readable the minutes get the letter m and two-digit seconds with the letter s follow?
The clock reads 2h41
